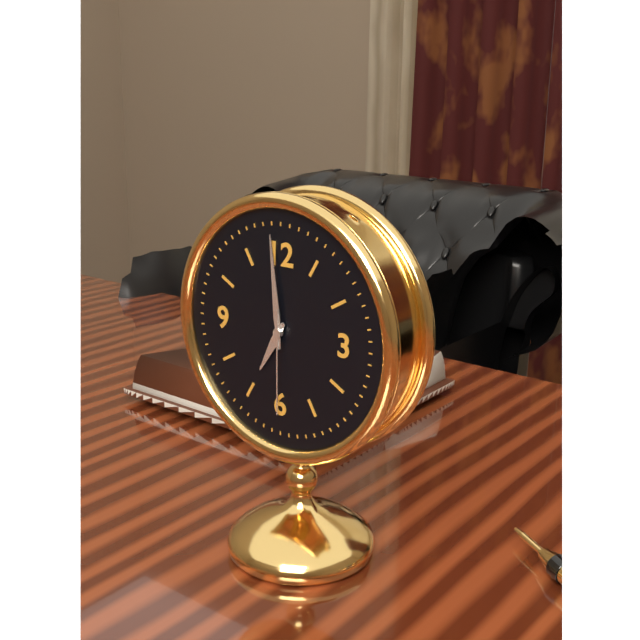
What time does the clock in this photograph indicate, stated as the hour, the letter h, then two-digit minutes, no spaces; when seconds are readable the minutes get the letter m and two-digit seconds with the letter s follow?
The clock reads 6h59m30s
